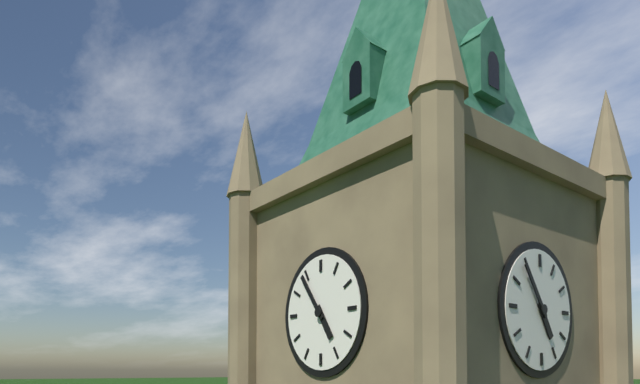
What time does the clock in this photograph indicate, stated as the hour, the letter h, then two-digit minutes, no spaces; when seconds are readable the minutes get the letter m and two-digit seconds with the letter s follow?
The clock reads 4h54
